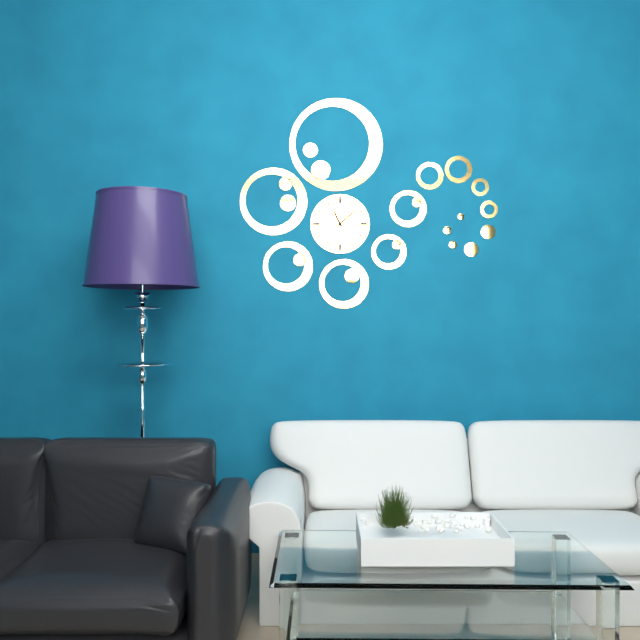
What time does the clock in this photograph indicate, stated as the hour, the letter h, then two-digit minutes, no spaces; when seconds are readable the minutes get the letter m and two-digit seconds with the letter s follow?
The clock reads 11h08
